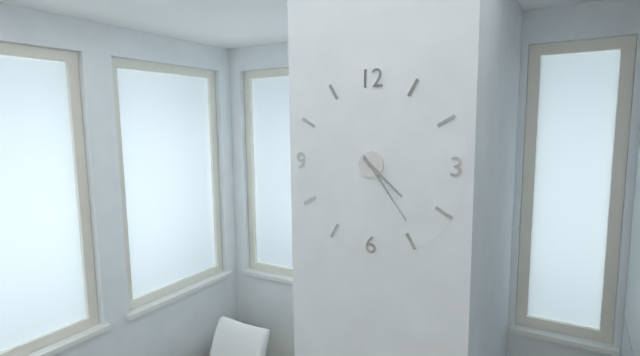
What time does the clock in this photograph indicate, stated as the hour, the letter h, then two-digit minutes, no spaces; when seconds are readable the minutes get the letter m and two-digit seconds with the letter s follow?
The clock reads 4h24
